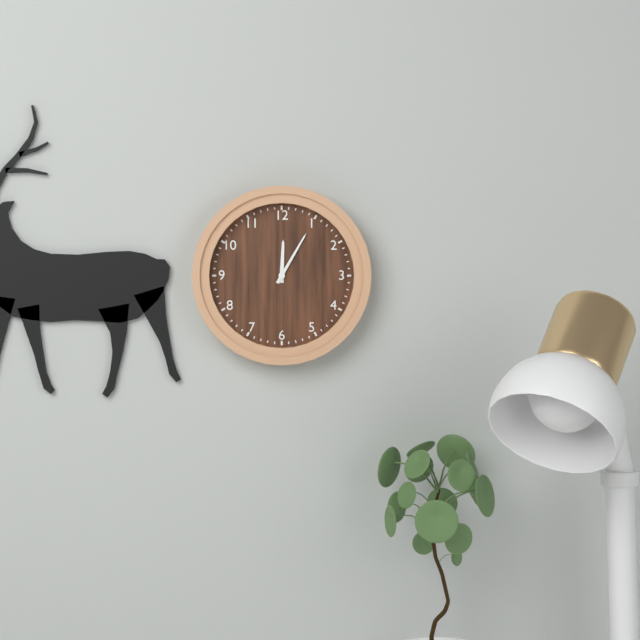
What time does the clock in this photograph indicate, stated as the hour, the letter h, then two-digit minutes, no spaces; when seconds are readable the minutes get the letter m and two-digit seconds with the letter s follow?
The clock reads 12h05
